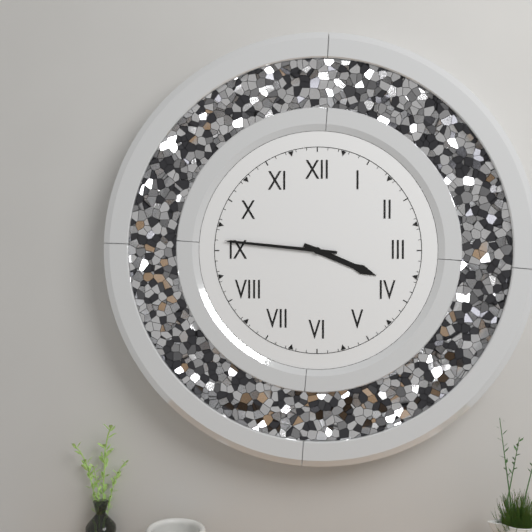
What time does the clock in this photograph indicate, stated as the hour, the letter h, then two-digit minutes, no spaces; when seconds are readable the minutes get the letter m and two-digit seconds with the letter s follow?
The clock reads 3h46
